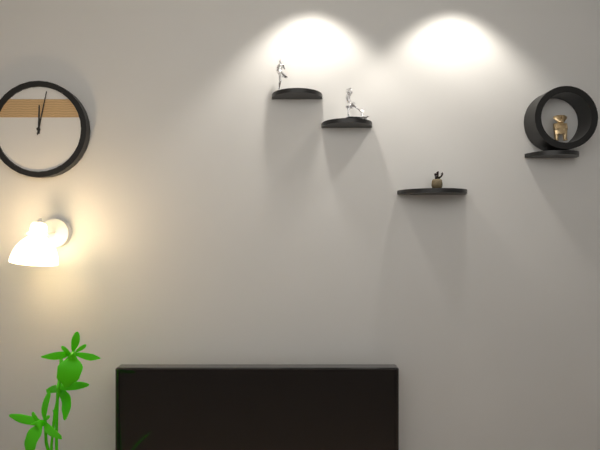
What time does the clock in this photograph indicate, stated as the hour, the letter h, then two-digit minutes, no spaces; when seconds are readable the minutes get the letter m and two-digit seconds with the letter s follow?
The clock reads 12h02
